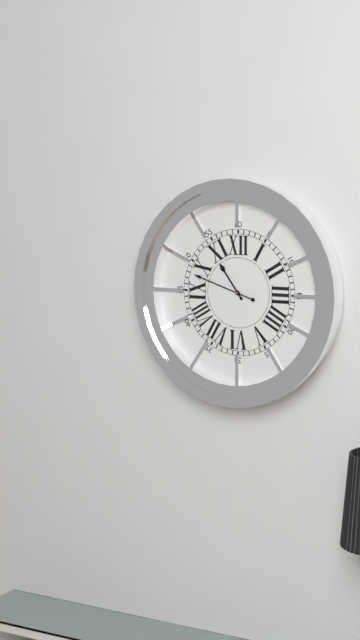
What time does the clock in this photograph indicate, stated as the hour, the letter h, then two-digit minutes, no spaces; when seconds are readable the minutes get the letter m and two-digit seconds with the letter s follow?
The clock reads 10h48
